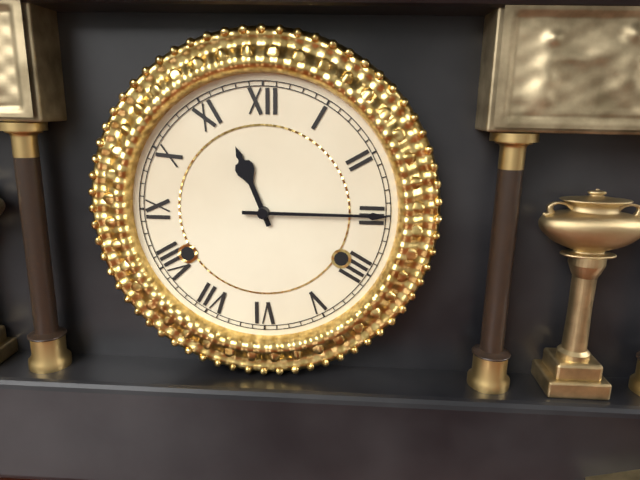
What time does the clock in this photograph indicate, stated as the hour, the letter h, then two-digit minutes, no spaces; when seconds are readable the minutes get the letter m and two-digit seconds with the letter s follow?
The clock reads 11h15
